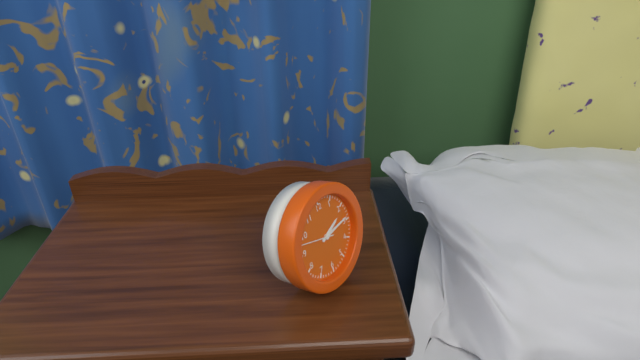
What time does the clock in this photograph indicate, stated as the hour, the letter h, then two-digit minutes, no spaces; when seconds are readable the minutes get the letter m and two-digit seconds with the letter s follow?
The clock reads 2h14
